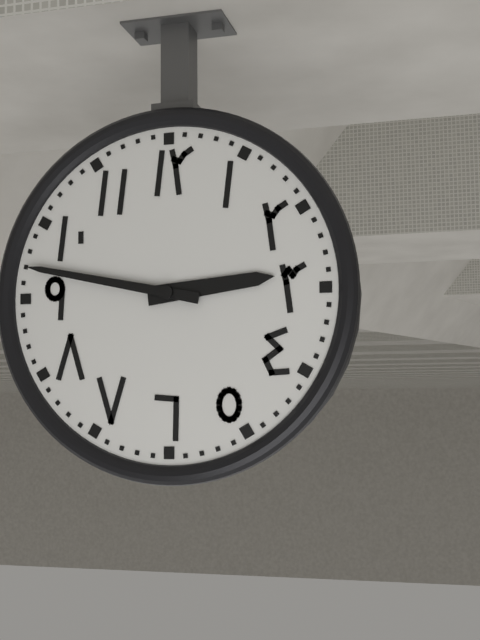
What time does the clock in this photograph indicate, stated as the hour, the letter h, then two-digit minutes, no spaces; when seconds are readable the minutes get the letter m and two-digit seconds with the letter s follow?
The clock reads 2h47
